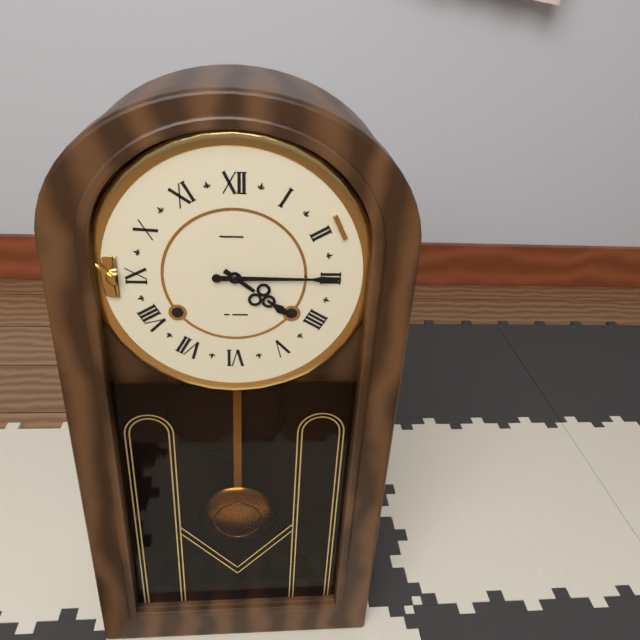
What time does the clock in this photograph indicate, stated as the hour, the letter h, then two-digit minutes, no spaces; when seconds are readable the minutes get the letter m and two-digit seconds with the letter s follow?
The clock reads 4h15
